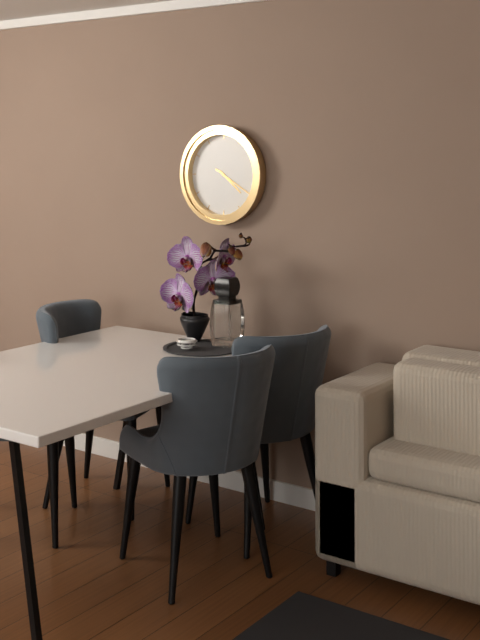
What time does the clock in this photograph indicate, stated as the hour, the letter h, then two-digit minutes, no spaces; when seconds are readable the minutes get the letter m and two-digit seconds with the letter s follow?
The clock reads 4h20
